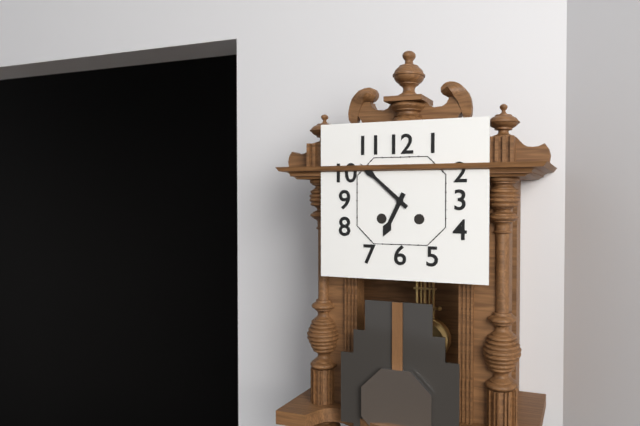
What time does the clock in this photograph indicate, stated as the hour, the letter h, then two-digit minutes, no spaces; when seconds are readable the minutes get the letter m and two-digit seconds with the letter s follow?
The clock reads 6h52
